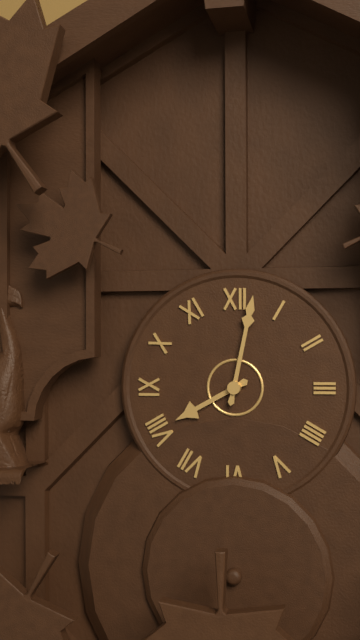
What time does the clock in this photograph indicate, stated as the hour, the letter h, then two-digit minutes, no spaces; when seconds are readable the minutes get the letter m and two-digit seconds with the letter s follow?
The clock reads 8h02
